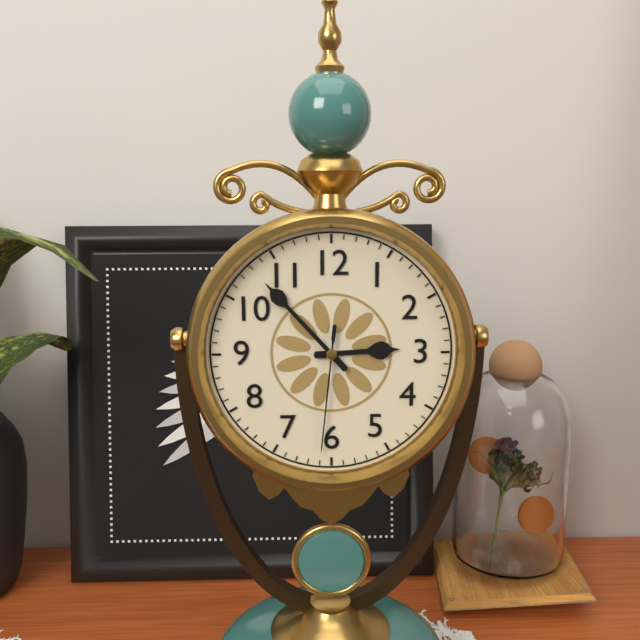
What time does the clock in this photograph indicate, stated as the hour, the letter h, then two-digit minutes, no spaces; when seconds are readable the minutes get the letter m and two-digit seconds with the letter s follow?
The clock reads 2h53m31s
